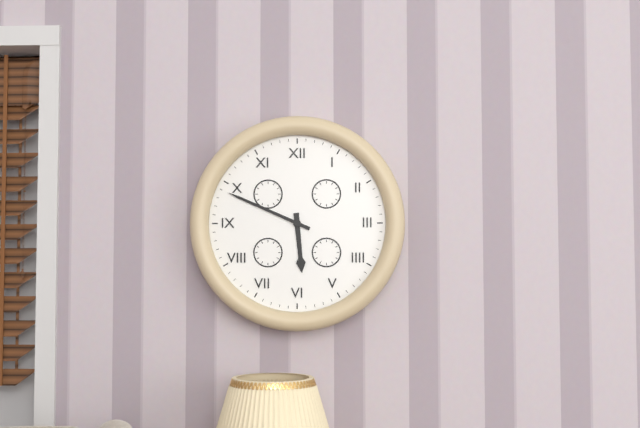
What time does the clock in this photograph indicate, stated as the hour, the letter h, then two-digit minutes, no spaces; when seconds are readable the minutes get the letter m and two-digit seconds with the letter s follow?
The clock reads 5h49
